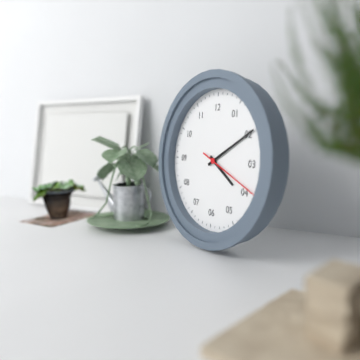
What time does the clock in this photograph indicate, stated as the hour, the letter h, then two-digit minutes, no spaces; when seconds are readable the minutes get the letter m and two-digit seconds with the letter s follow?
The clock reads 4h10m19s
